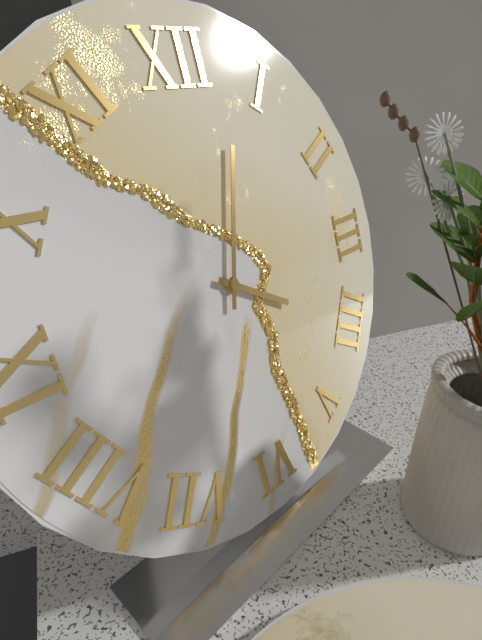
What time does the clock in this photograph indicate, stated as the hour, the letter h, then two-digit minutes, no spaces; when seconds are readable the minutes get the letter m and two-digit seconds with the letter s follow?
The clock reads 4h03
